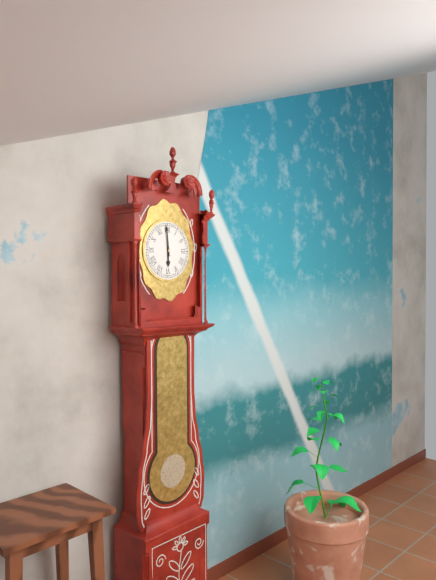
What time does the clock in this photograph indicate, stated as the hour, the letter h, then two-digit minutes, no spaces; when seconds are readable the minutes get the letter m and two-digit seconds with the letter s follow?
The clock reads 5h59
